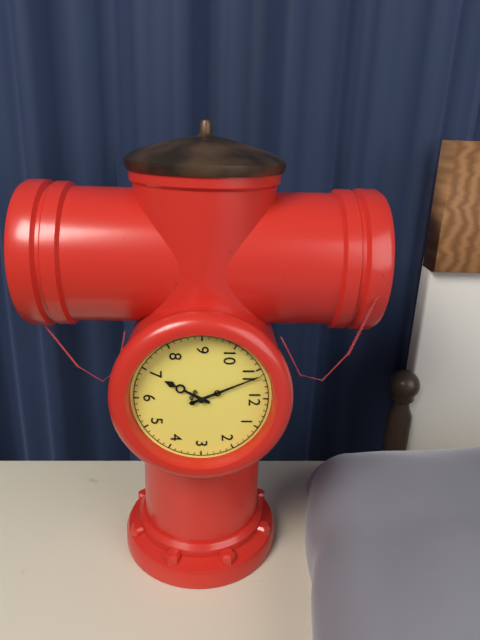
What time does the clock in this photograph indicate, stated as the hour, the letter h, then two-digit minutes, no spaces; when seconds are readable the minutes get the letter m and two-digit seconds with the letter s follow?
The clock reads 6h56
